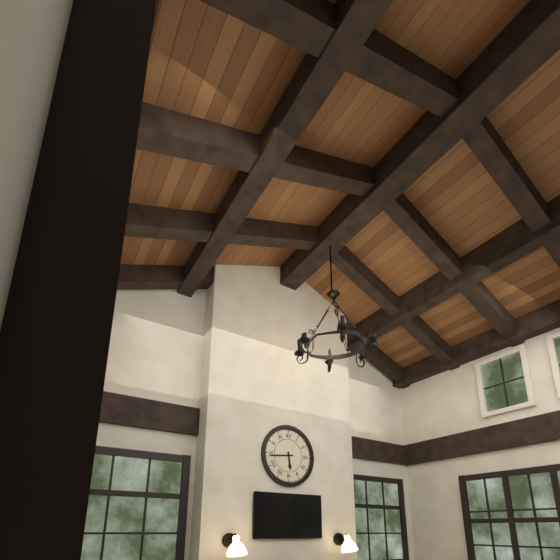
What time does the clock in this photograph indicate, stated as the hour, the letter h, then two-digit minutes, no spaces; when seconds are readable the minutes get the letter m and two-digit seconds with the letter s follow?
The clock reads 5h44
